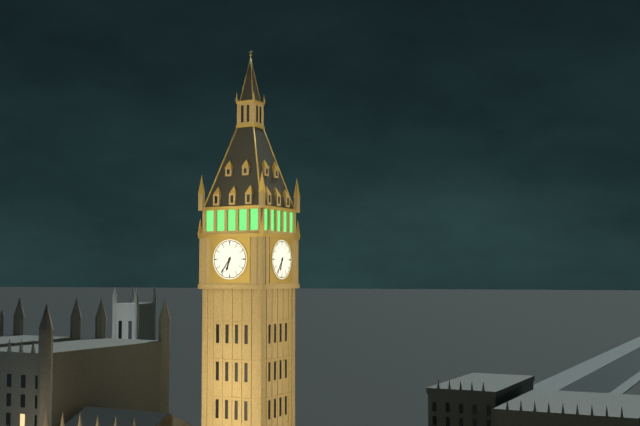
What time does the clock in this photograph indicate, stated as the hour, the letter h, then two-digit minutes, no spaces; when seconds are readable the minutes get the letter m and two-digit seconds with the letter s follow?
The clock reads 6h36
